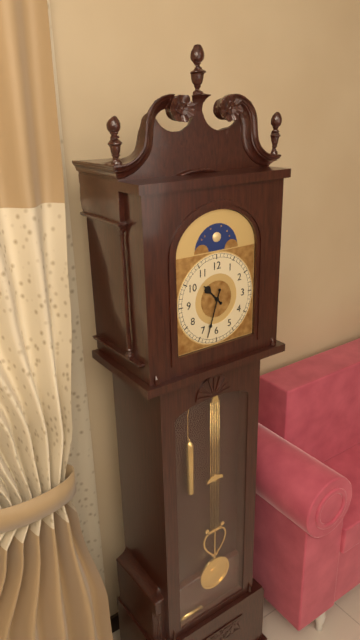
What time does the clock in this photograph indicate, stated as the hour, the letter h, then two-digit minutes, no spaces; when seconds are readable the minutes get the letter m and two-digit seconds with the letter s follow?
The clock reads 10h33
